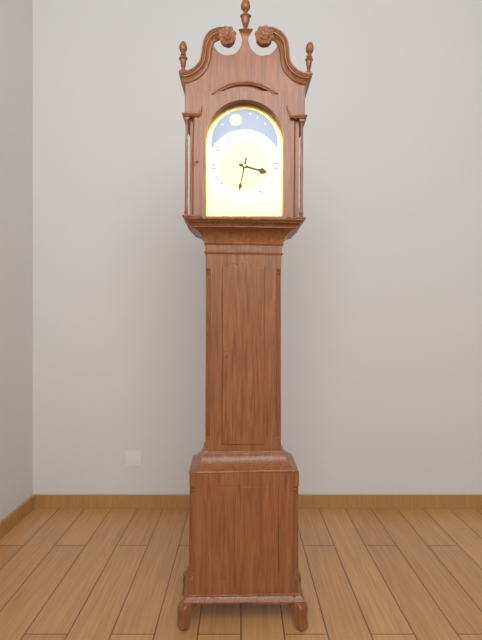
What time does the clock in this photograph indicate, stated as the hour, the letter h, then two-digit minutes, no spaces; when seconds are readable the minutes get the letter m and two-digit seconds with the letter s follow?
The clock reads 3h32
